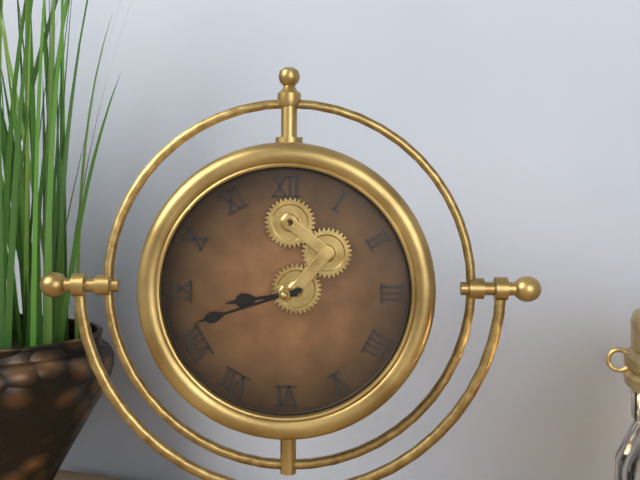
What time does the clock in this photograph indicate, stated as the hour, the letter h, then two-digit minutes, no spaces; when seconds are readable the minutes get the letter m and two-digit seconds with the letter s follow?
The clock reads 8h42
